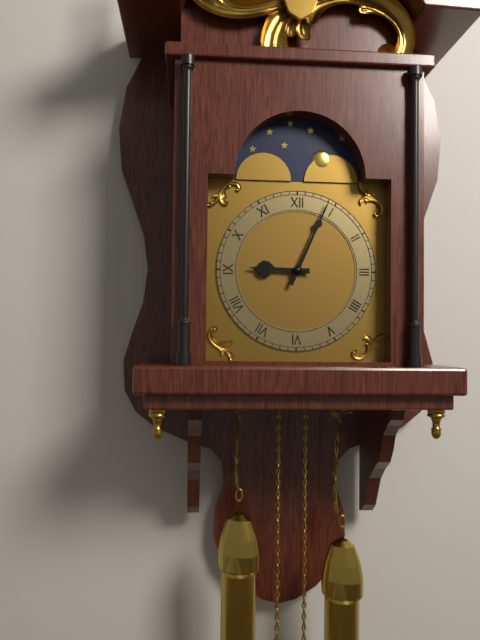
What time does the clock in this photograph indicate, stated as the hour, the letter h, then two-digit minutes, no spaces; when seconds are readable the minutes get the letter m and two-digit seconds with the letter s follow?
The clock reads 9h04
